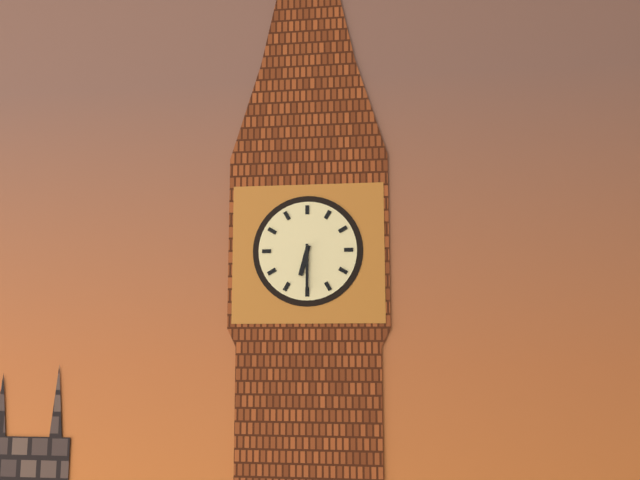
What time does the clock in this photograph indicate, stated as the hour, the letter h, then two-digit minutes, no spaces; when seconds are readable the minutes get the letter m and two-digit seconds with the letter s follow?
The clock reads 6h30
